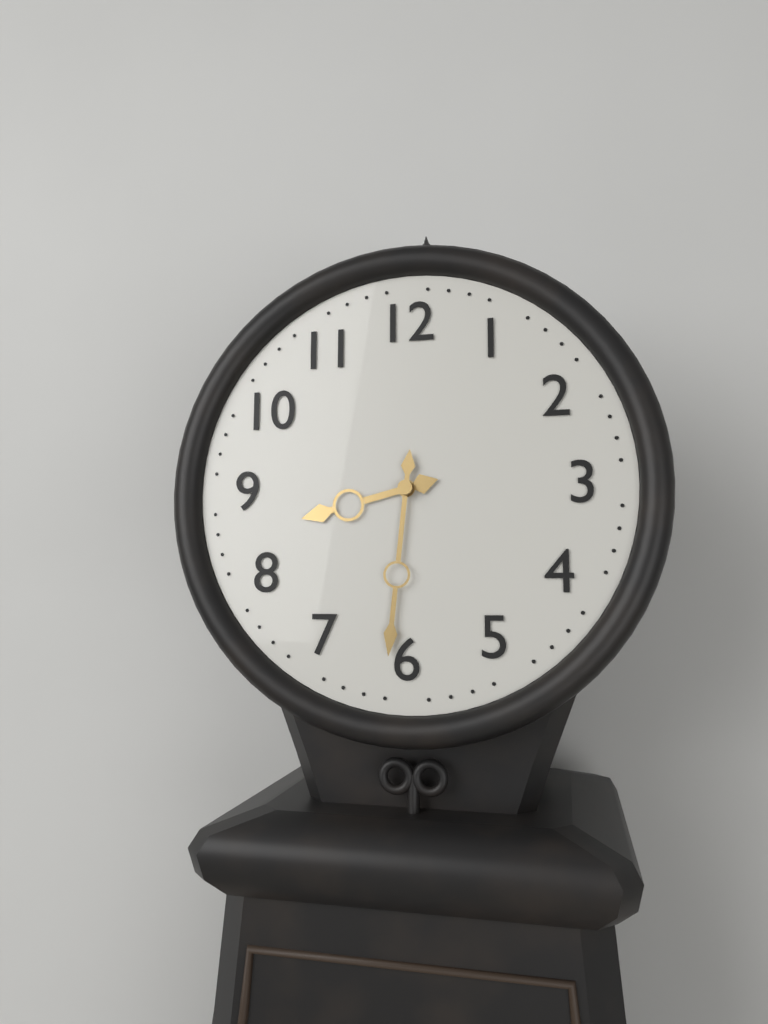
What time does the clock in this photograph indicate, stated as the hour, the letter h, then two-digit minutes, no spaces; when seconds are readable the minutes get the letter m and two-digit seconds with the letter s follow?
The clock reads 8h31
